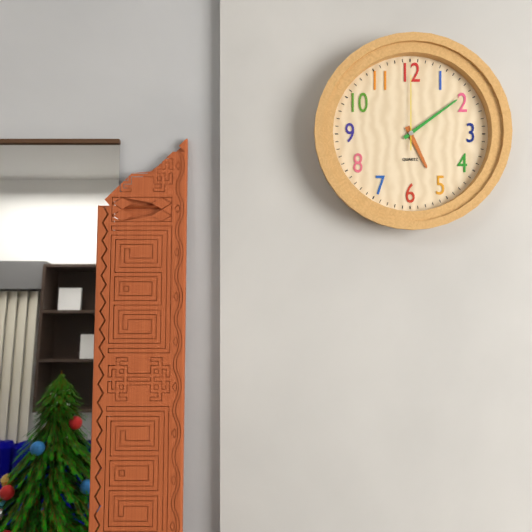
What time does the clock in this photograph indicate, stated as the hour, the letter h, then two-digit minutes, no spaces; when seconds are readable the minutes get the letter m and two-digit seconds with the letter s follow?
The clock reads 5h09m00s
